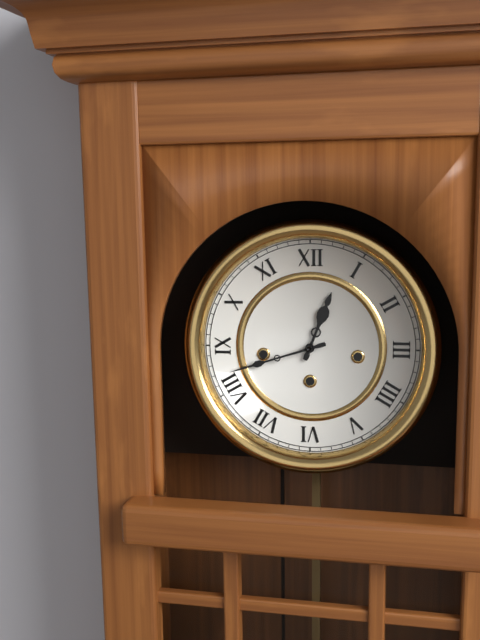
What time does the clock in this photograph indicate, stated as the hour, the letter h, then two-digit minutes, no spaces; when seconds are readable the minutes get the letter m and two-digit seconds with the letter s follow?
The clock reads 12h42
